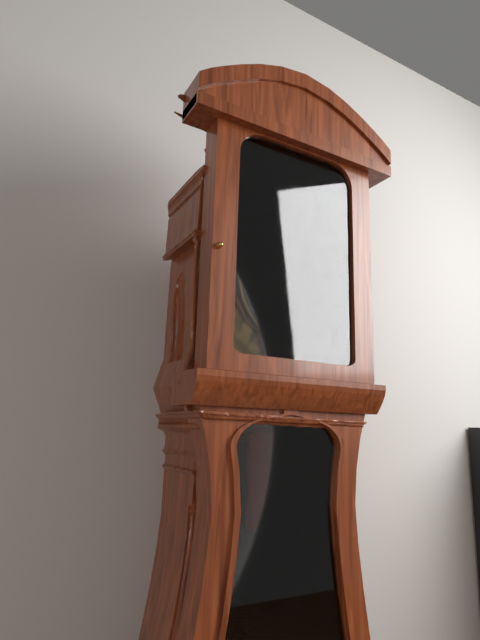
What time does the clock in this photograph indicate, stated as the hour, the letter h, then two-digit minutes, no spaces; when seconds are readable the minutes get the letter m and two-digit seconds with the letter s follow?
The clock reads 12h13
